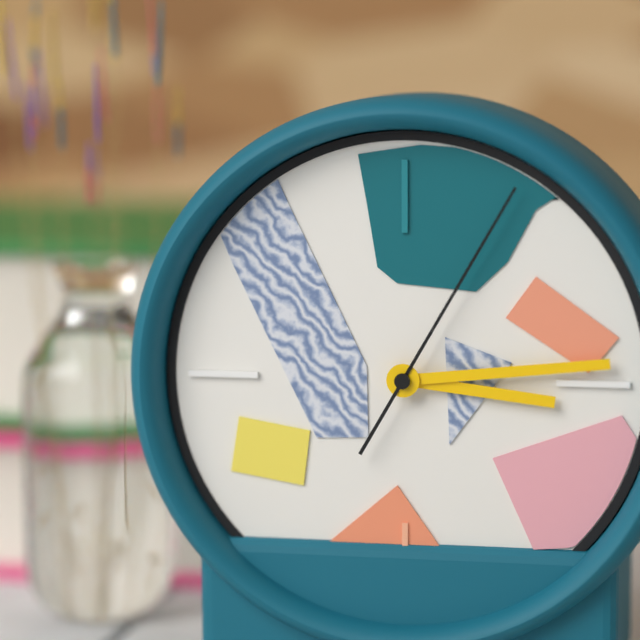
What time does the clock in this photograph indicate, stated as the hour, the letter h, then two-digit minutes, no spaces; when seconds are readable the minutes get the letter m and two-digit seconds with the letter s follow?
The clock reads 3h14m05s
